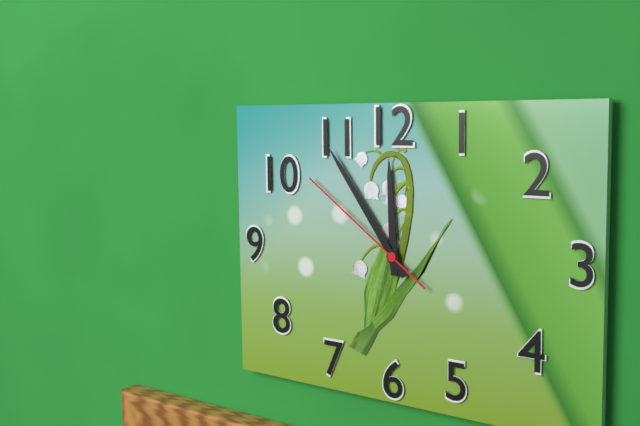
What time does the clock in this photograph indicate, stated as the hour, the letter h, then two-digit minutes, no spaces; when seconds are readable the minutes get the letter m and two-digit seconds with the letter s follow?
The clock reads 11h54m51s
